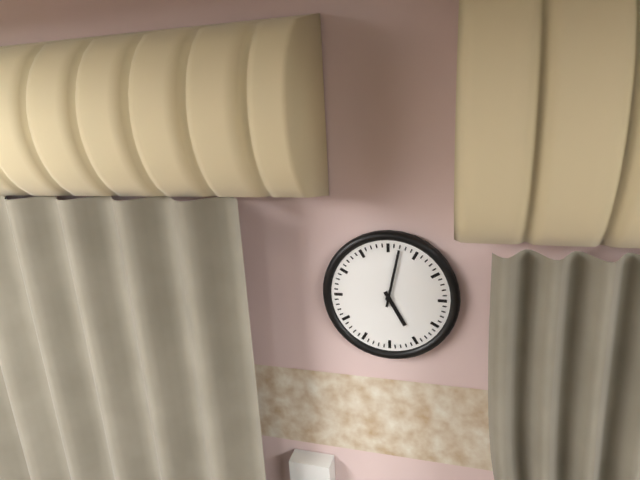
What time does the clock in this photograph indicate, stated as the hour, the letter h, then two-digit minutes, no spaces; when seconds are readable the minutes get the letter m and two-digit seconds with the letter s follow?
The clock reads 5h02
